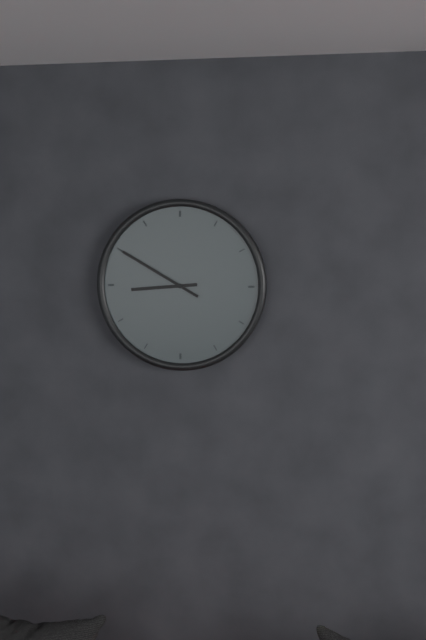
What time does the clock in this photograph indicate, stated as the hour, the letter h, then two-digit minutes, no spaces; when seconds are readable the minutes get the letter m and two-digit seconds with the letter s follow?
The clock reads 8h50
